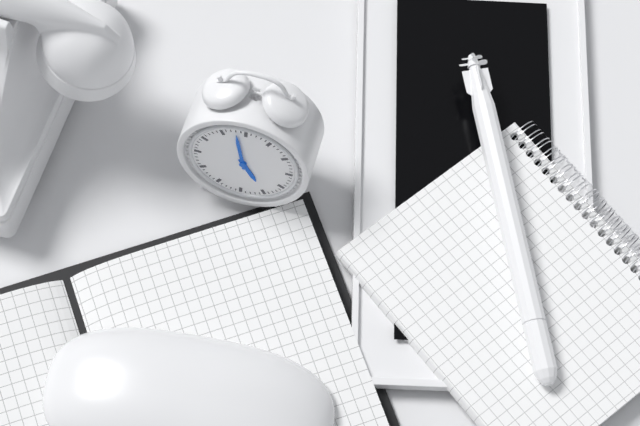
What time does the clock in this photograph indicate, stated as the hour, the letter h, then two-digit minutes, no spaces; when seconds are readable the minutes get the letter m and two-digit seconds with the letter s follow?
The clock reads 4h58
